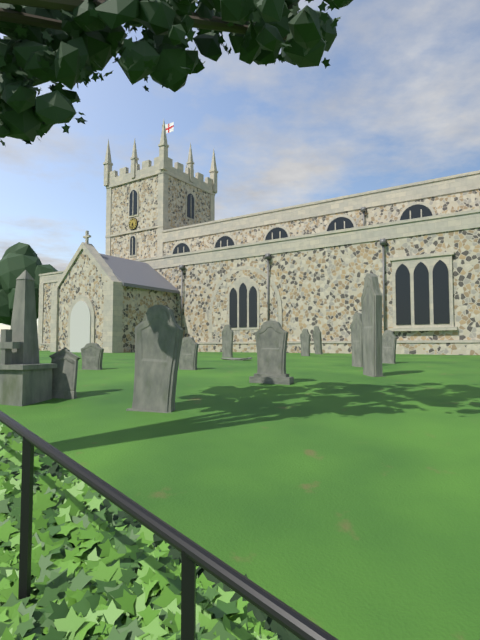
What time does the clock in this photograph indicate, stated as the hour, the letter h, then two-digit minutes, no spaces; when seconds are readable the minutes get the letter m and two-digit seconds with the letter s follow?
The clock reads 5h35
